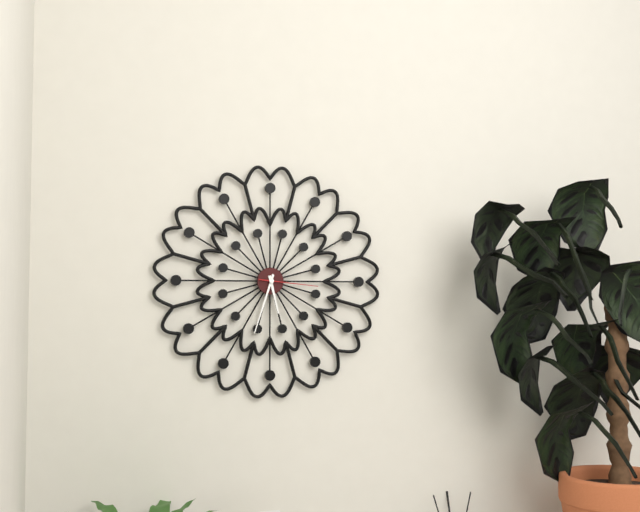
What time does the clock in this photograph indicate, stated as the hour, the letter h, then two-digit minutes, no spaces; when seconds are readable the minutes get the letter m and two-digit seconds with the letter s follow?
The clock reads 5h33m16s
